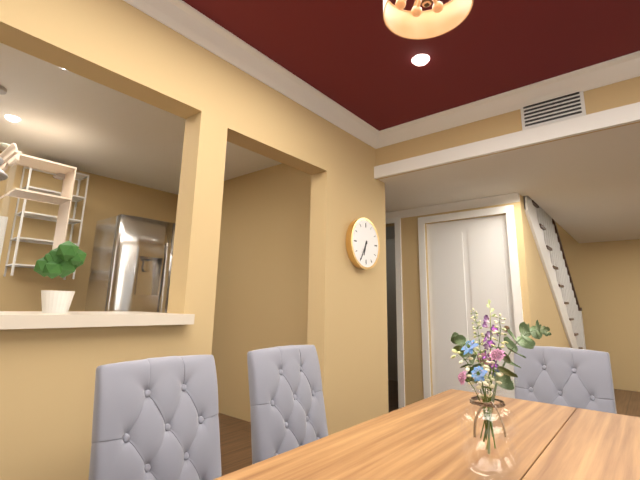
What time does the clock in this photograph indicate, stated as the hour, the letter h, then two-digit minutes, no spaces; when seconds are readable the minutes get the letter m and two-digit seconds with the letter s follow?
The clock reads 6h35
